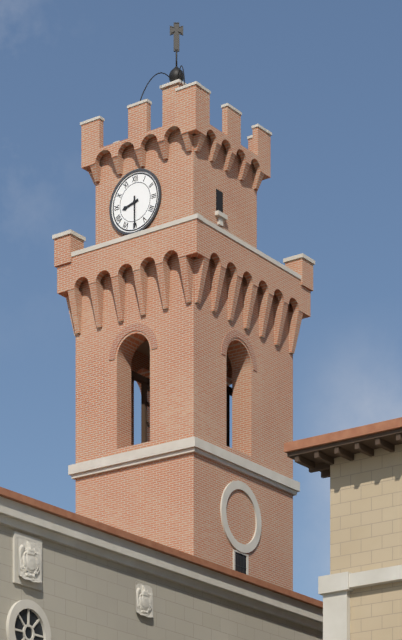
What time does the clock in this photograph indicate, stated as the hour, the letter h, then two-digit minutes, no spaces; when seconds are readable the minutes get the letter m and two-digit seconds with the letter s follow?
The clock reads 8h30
